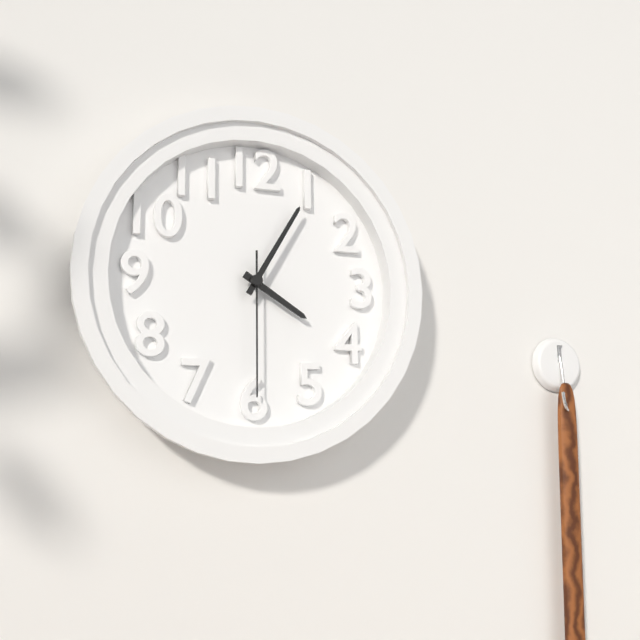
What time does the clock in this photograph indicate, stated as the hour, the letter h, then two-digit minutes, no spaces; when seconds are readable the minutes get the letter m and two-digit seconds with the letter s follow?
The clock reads 4h05m30s
